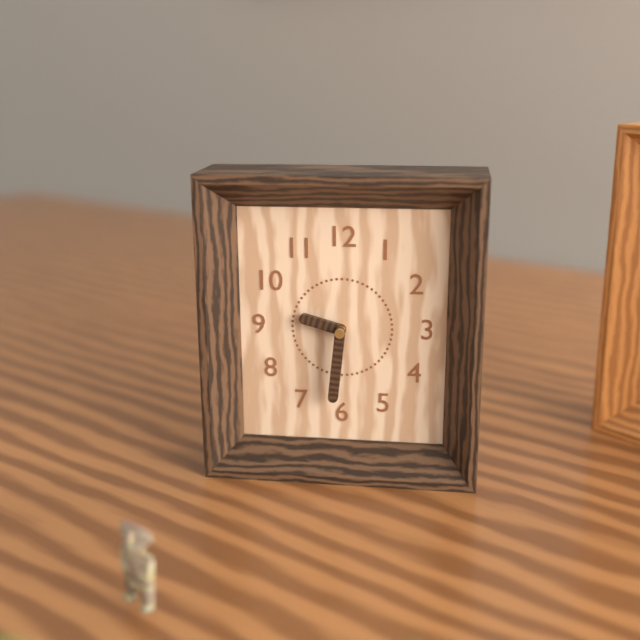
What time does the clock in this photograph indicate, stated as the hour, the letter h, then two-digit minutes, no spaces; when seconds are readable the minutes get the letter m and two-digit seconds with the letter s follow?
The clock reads 9h31
